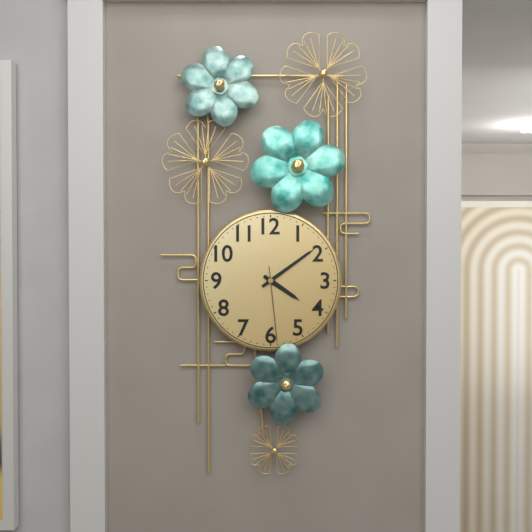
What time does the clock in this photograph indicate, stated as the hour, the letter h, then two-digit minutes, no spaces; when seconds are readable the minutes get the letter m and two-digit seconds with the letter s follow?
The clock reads 4h09m29s
